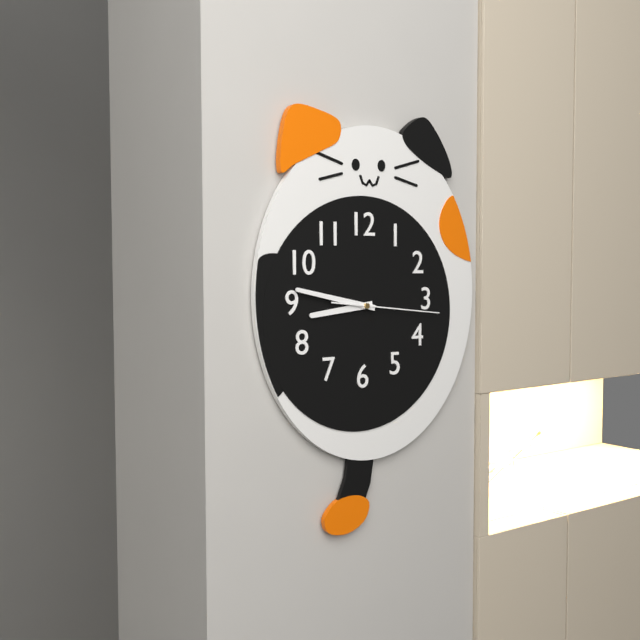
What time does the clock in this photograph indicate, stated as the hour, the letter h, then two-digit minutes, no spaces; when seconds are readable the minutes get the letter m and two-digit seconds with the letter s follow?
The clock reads 8h47m16s
